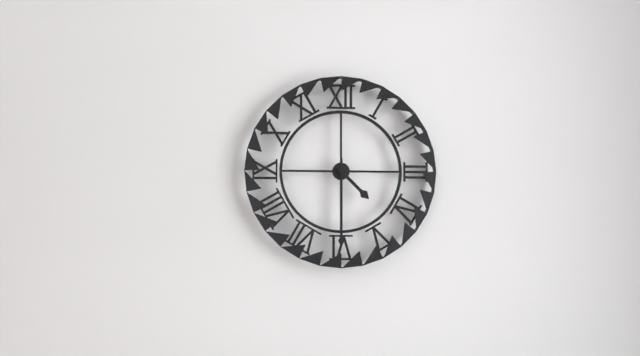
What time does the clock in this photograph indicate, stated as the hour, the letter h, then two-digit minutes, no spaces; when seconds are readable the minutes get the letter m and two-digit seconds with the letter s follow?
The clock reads 4h30
